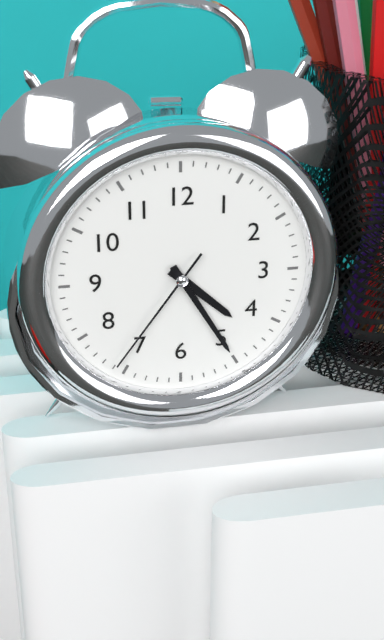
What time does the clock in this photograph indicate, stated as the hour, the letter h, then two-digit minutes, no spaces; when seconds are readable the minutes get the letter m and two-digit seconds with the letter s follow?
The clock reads 4h25m36s
